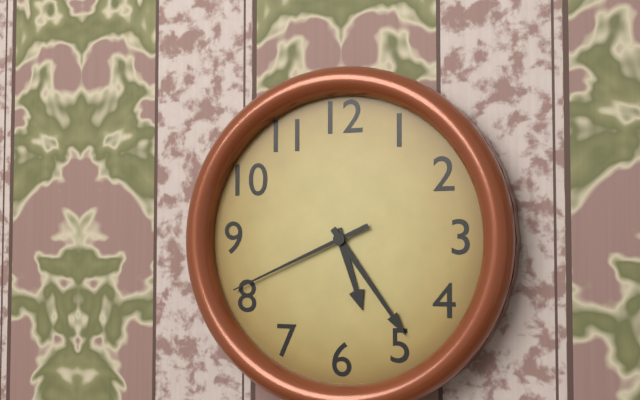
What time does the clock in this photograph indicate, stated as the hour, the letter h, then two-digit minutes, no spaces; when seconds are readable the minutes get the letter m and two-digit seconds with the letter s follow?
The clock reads 5h24m41s
